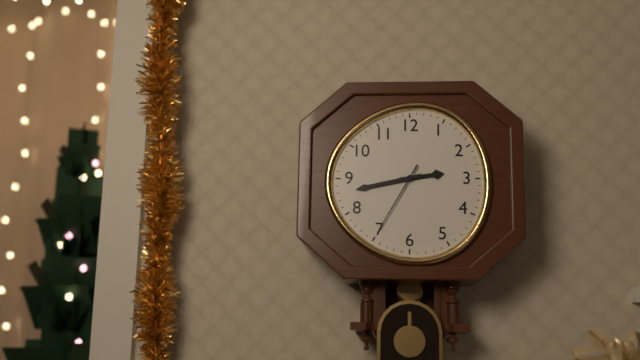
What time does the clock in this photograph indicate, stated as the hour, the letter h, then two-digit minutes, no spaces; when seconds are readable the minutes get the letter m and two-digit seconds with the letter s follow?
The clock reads 2h43m35s
